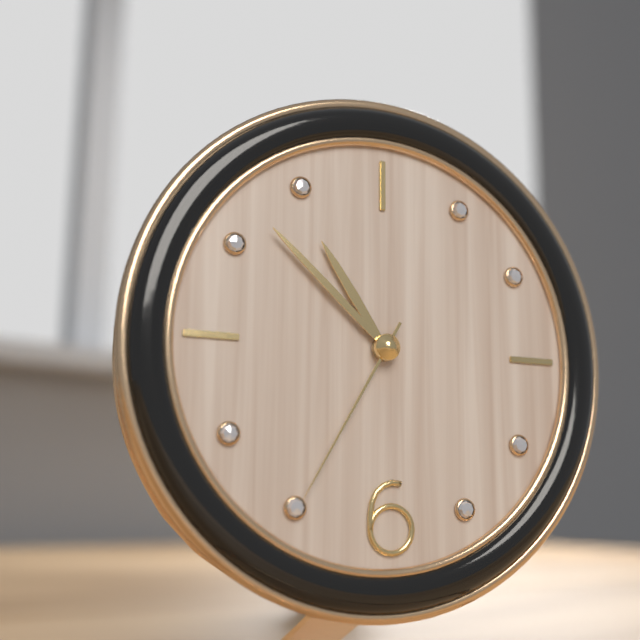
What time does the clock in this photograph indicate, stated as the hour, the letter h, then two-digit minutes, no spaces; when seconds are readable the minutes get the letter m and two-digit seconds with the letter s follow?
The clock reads 10h52m35s
